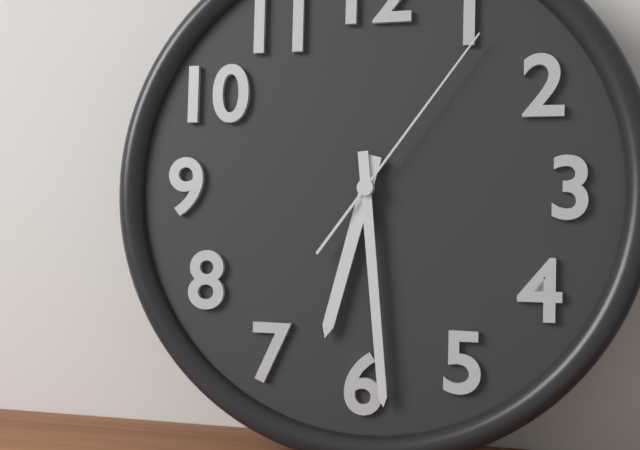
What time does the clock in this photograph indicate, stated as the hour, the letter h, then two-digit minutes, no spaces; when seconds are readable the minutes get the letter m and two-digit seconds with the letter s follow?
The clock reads 6h29m06s
